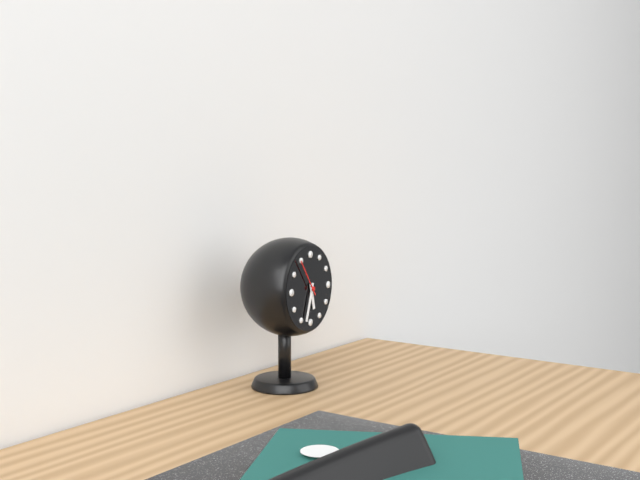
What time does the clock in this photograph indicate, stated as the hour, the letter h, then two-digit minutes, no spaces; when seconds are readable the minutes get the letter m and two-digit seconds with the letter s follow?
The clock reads 5h33
